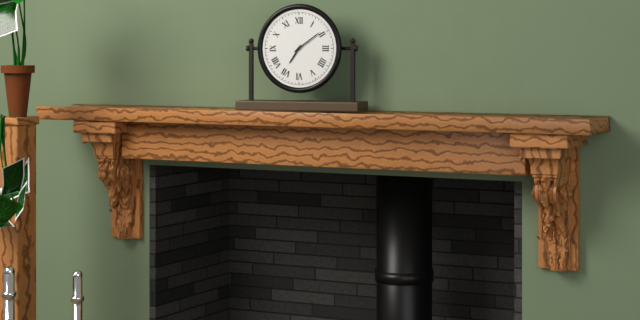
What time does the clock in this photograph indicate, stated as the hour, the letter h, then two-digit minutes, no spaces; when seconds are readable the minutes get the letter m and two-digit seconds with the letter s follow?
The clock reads 7h09
